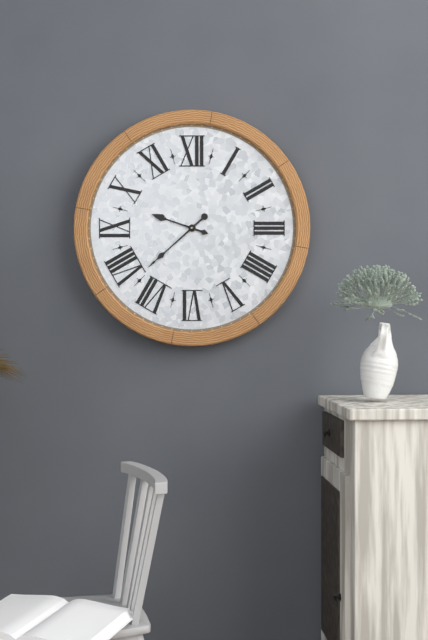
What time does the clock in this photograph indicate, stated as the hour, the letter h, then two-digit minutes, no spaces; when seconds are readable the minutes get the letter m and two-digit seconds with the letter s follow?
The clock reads 9h38
